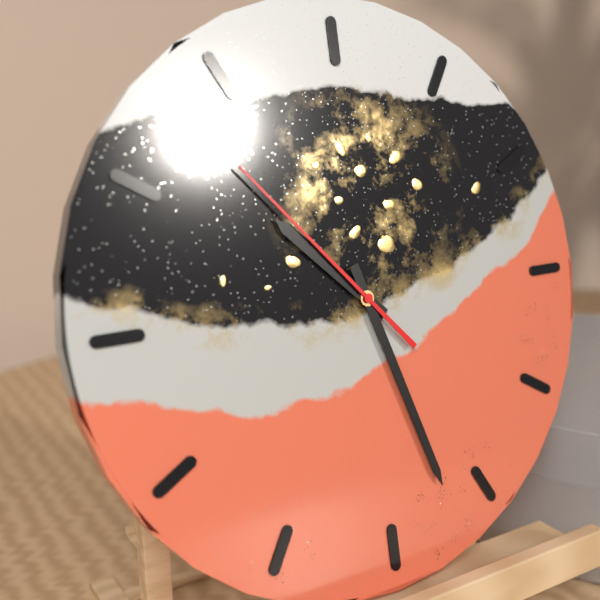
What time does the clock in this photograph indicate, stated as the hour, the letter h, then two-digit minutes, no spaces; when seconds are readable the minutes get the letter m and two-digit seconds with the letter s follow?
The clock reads 10h27m53s
